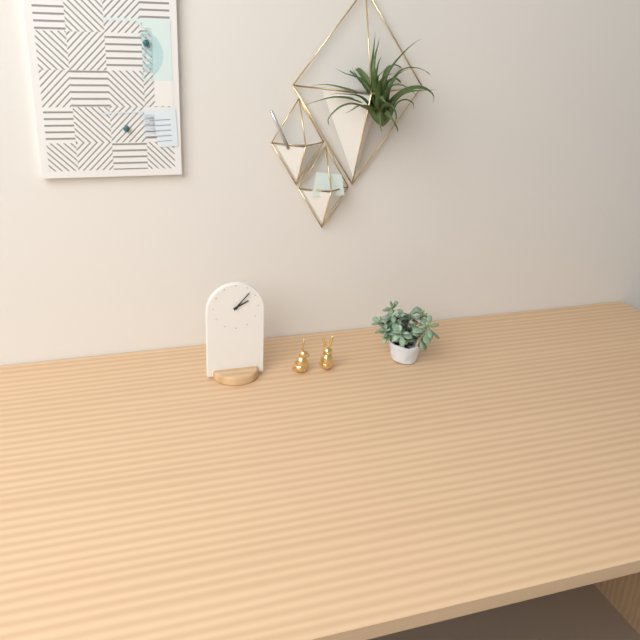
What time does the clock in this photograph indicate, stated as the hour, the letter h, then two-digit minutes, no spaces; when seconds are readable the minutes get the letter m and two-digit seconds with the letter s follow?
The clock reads 2h07
